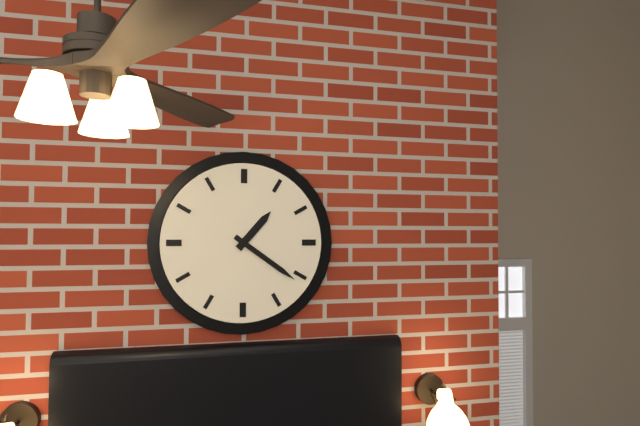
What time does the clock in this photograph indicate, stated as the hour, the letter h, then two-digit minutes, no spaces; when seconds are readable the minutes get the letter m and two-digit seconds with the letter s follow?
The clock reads 1h21
